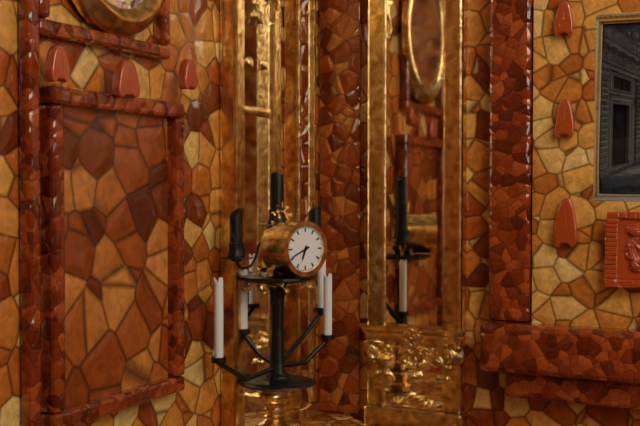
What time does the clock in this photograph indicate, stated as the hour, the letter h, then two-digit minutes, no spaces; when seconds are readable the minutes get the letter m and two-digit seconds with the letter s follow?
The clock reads 6h41
